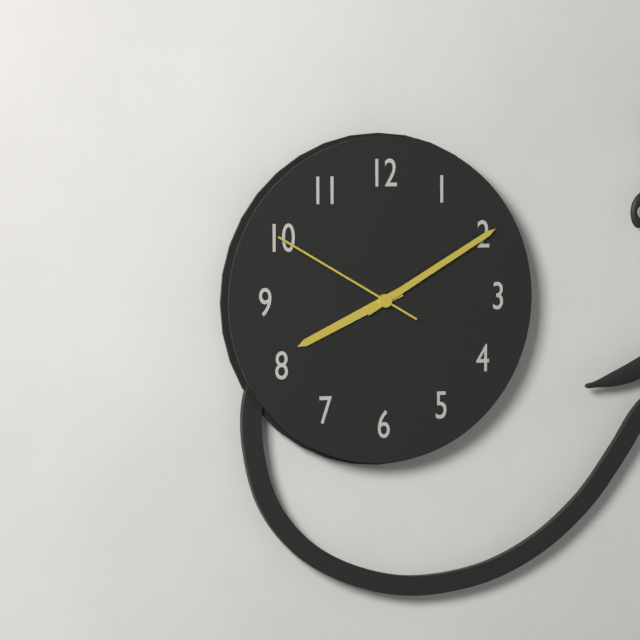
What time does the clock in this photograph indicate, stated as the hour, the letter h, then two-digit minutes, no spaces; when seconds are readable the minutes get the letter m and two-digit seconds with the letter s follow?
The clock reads 8h10m50s
